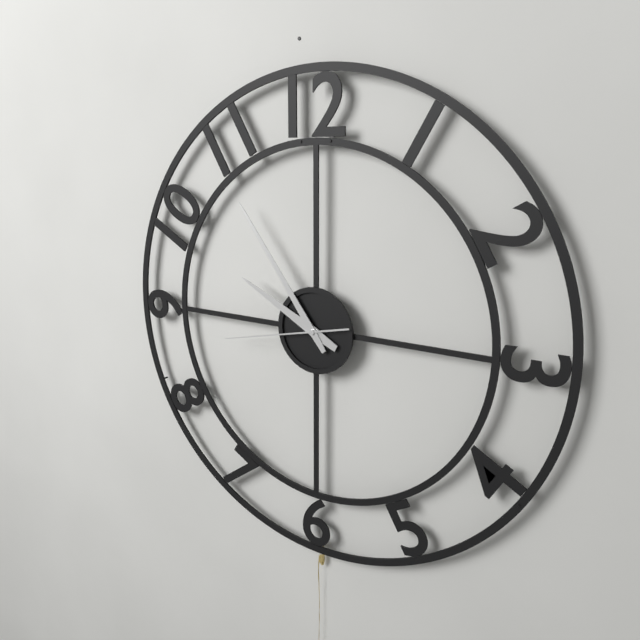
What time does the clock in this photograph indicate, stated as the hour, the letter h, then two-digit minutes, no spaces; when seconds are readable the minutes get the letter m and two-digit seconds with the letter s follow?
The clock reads 9h54m43s
